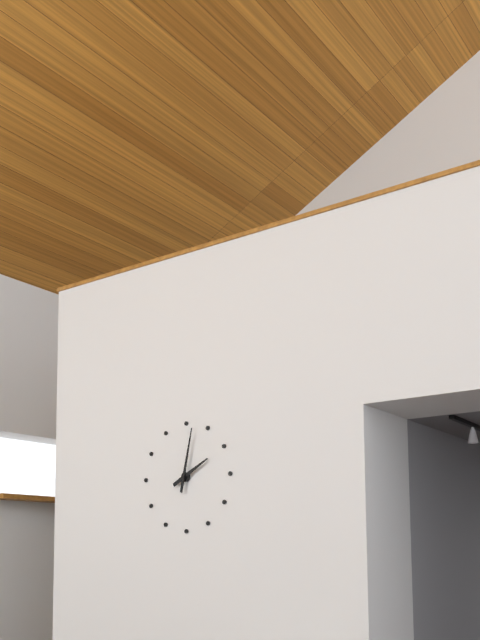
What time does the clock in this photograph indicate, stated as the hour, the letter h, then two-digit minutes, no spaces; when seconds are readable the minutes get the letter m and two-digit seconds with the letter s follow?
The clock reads 2h02
